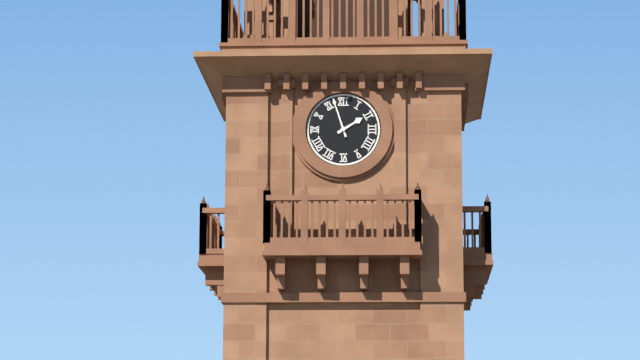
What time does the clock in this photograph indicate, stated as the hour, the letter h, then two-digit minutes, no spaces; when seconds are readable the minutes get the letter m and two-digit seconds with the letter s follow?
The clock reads 1h57
